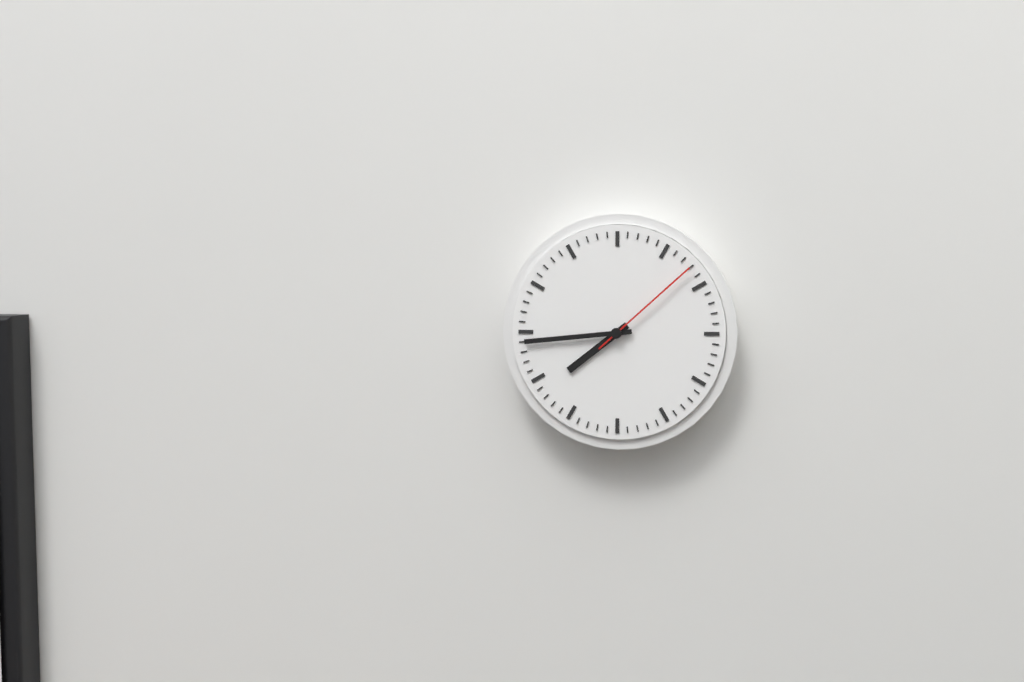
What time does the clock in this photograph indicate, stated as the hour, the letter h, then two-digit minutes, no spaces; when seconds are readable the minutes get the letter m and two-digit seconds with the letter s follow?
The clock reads 7h44m08s
